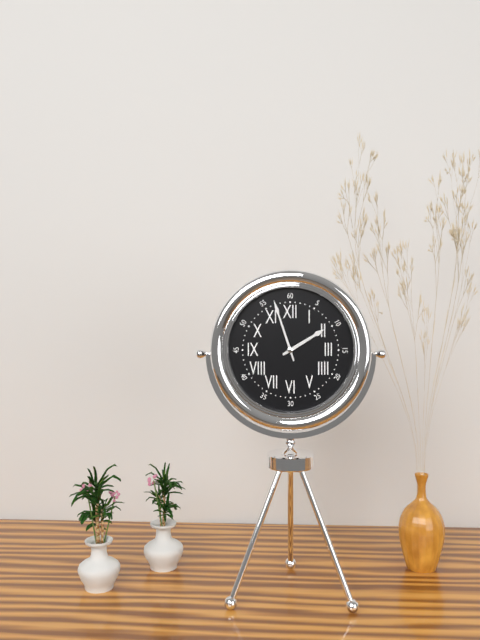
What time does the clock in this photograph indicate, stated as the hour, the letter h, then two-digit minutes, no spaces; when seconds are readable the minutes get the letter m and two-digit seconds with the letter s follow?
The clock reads 1h57
